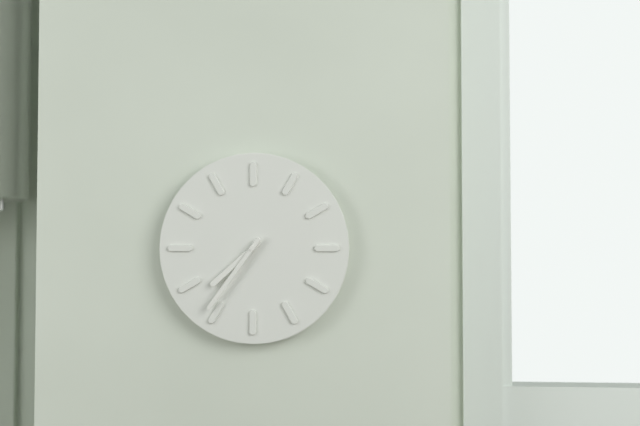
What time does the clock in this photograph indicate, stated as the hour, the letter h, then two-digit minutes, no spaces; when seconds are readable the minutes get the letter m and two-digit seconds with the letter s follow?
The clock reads 7h36
